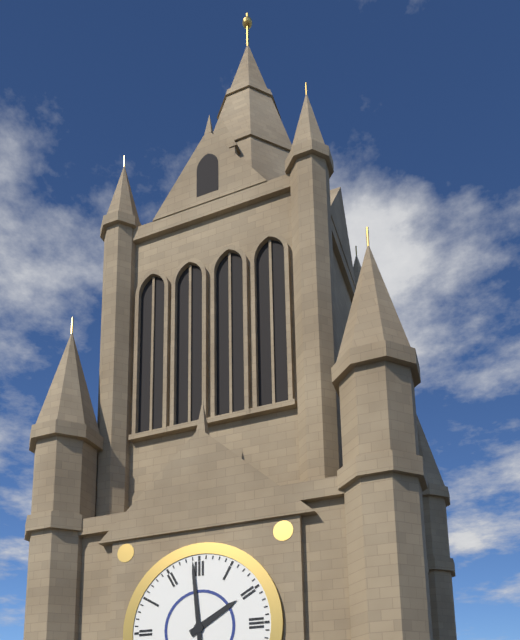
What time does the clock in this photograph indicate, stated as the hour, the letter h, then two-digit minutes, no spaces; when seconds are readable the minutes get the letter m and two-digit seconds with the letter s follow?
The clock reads 1h59
